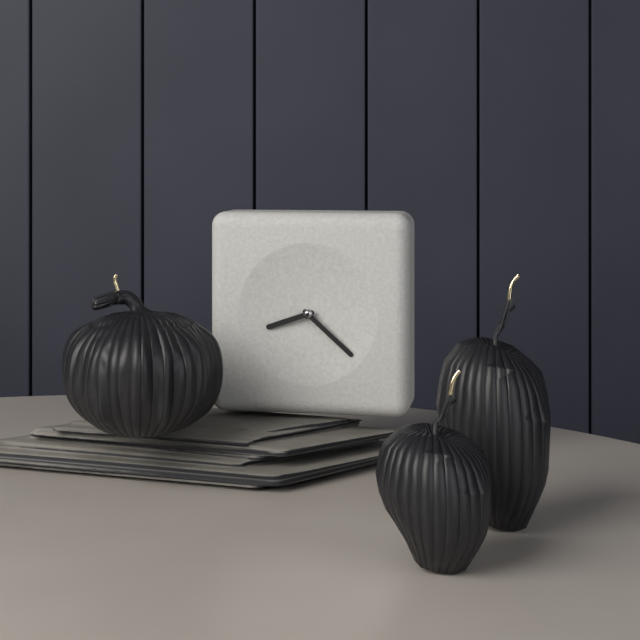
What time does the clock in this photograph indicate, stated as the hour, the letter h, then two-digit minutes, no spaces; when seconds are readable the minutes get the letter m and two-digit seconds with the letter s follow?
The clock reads 8h22
